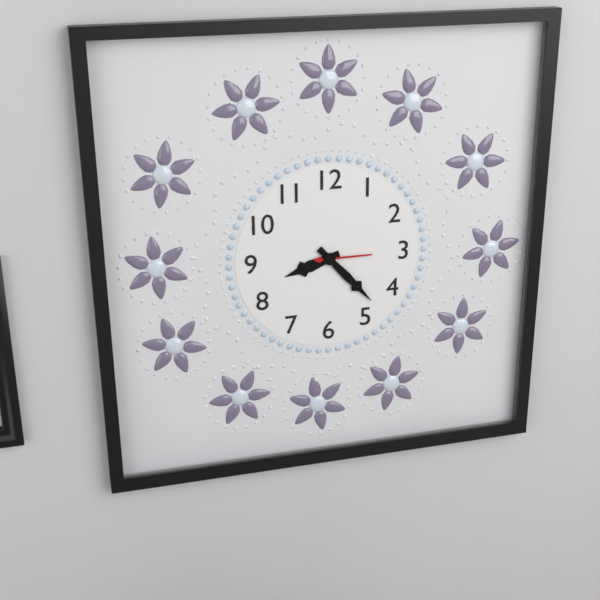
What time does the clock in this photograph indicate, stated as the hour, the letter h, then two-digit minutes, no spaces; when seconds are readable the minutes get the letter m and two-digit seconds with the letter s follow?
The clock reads 8h23m15s
